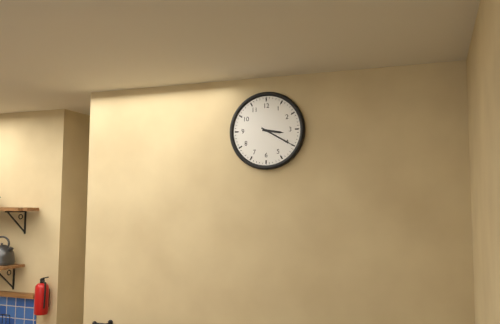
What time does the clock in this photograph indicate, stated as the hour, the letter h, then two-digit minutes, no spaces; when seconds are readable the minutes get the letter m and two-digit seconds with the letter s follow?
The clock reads 3h20
